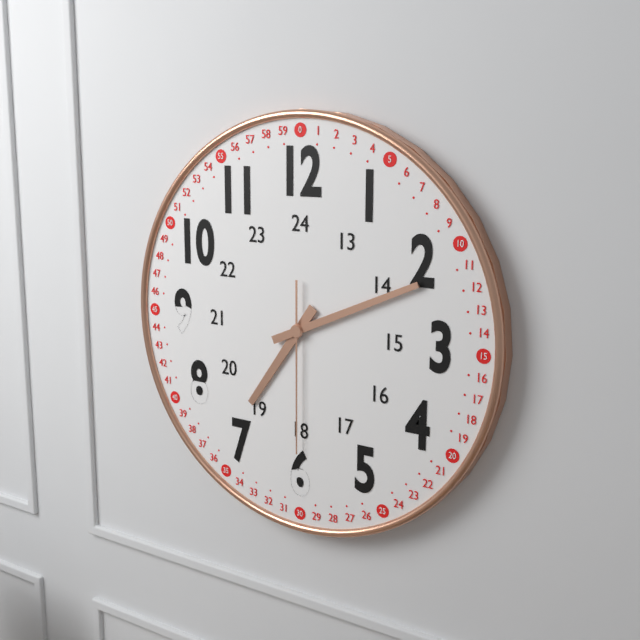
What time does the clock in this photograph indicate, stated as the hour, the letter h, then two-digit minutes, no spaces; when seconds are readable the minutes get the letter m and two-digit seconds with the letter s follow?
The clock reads 7h11m30s
